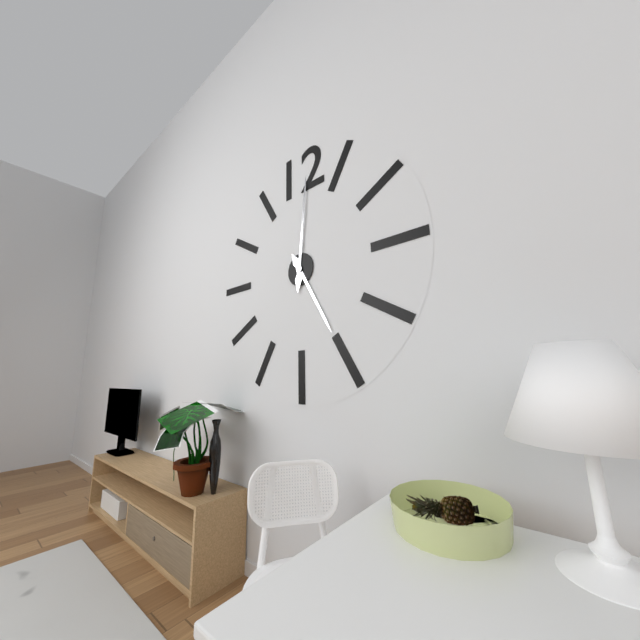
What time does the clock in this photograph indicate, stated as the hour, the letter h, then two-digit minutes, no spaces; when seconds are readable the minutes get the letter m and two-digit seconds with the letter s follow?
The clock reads 5h01
